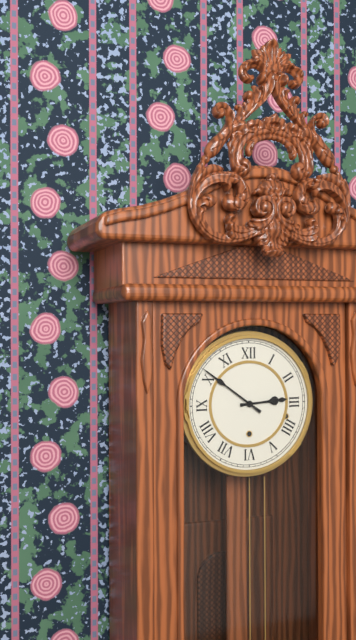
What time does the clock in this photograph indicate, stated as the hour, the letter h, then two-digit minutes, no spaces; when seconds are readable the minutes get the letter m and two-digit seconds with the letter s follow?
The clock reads 2h51
